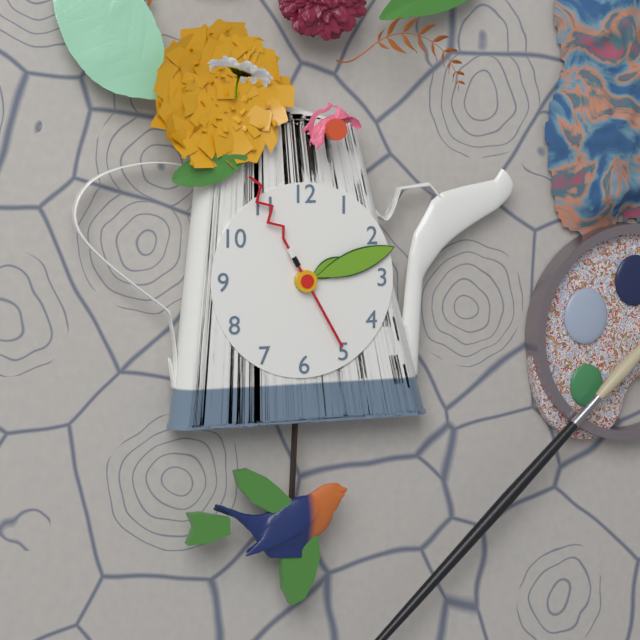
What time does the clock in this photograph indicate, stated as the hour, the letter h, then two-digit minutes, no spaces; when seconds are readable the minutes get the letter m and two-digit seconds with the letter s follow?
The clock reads 2h12m55s
